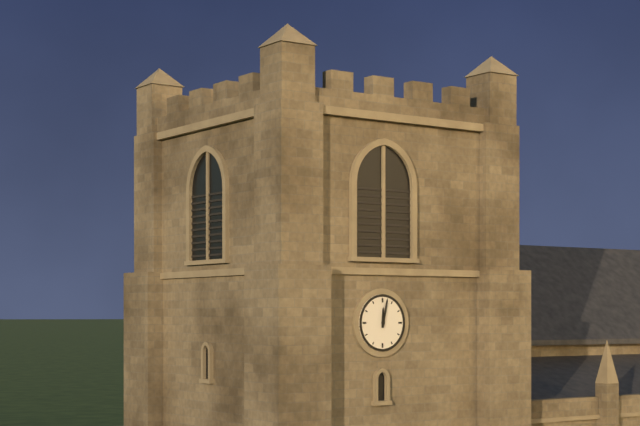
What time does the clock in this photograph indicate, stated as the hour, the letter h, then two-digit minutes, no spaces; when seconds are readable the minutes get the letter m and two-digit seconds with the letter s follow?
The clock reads 12h02
